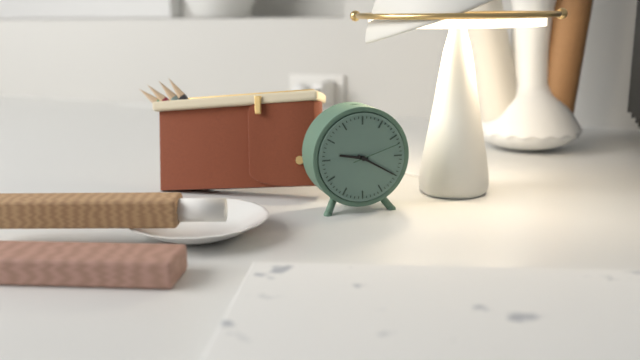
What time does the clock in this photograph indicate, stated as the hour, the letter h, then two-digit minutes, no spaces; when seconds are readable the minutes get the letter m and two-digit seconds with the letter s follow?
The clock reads 9h20
